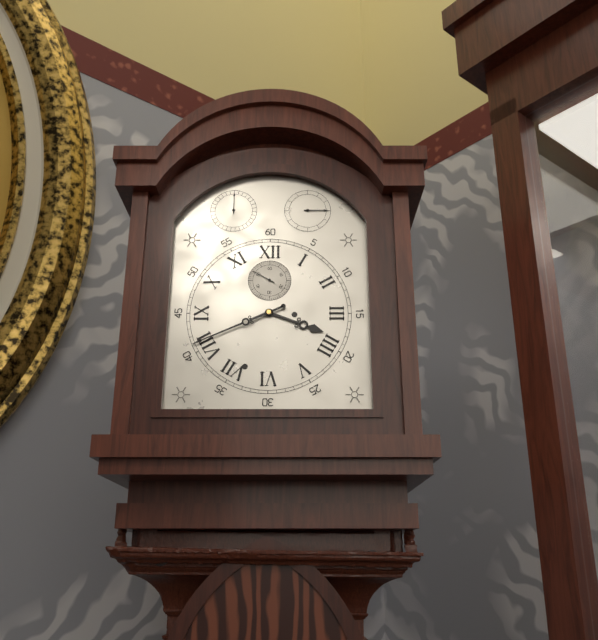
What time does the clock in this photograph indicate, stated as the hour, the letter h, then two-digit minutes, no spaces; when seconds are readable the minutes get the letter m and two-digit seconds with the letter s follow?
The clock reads 3h41
